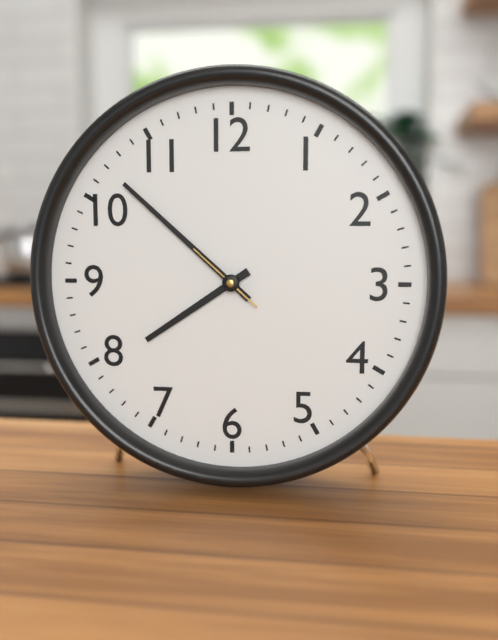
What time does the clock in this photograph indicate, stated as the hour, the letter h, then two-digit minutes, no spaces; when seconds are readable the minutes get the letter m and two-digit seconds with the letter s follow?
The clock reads 7h52m52s
